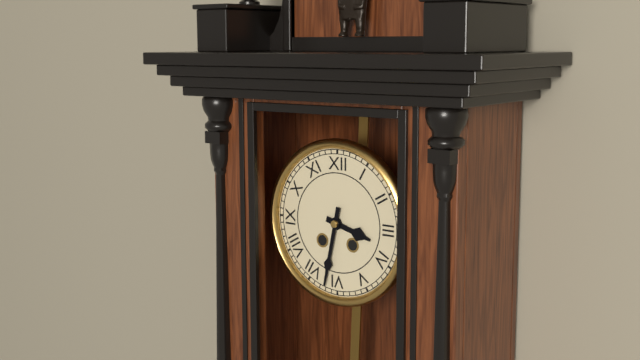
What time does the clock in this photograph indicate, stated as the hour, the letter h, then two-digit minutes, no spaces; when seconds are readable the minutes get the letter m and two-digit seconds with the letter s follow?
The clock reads 3h32
